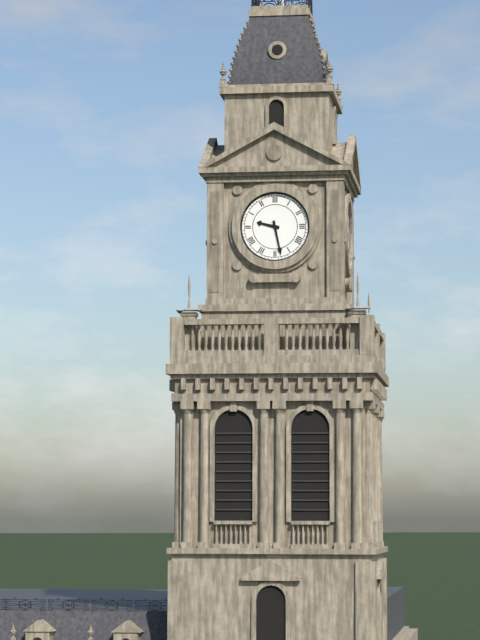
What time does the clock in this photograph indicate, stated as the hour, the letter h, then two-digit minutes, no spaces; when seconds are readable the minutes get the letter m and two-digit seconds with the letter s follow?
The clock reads 9h28
